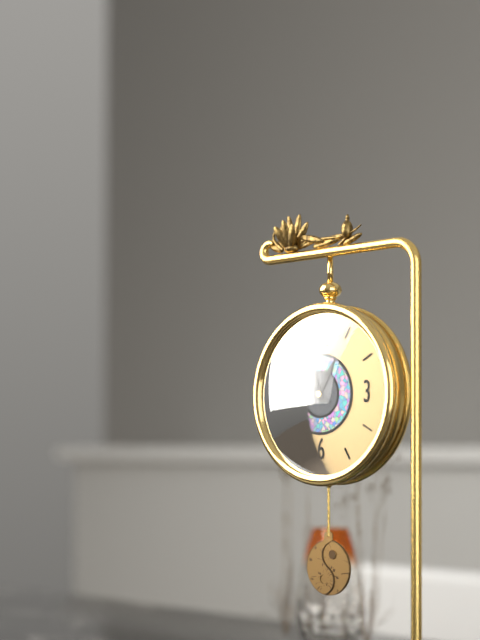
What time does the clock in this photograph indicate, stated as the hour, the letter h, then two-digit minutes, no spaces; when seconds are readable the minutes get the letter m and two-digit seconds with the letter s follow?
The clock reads 12h57m51s
